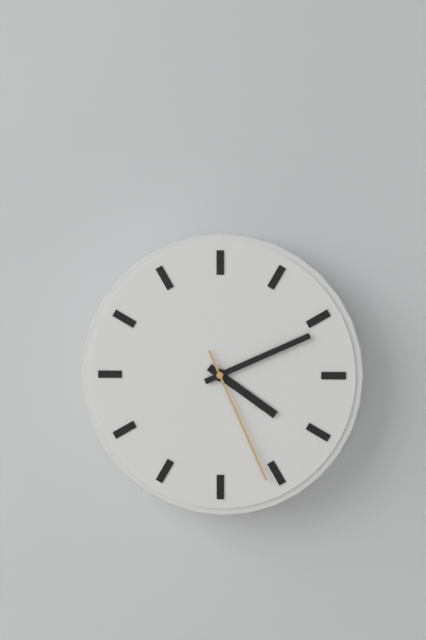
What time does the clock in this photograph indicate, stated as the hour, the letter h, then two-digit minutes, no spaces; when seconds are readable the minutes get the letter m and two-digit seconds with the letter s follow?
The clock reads 4h11m26s
